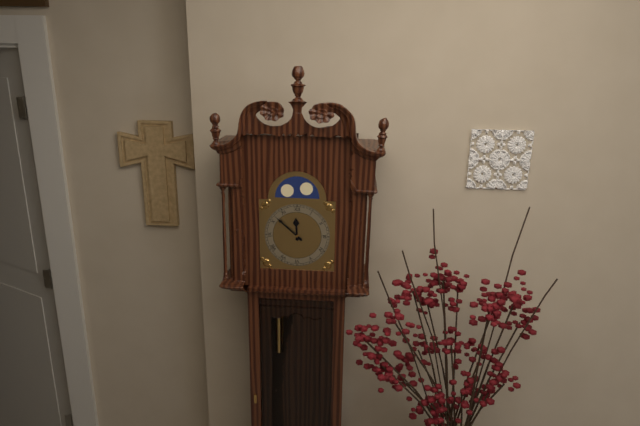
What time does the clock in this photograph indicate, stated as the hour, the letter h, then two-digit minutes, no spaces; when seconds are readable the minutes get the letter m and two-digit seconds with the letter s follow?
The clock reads 11h52
